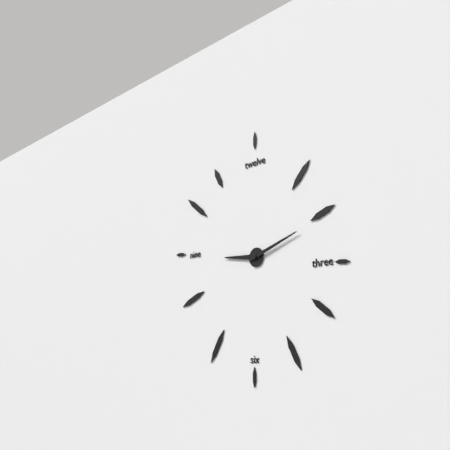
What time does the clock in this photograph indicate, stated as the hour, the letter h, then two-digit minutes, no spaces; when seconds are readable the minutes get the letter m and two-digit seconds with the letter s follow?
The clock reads 9h12
